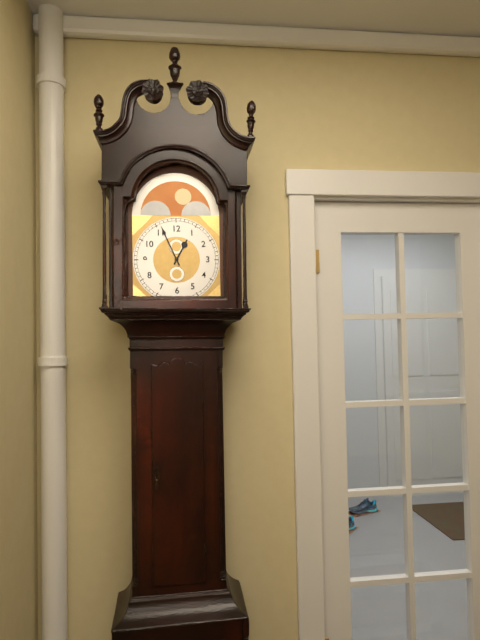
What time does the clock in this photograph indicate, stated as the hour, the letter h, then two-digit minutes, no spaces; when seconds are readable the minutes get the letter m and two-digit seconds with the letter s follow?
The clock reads 12h56
